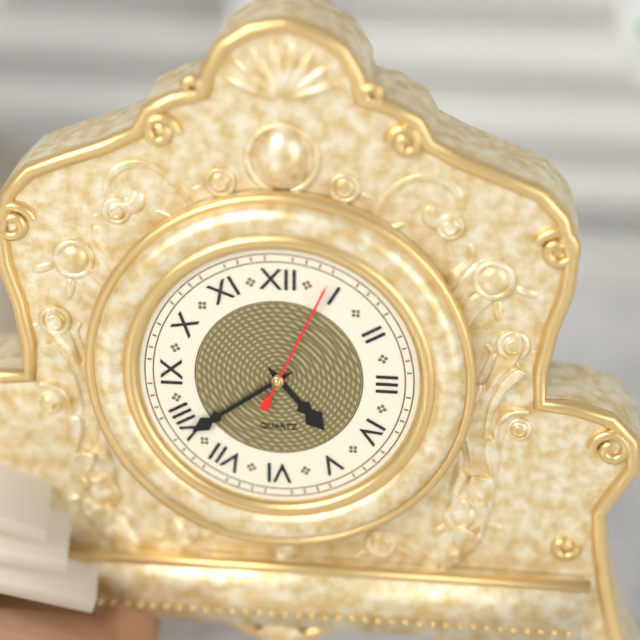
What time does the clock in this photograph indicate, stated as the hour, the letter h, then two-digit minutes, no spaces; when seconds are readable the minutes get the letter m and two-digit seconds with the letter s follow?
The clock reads 4h39m04s
